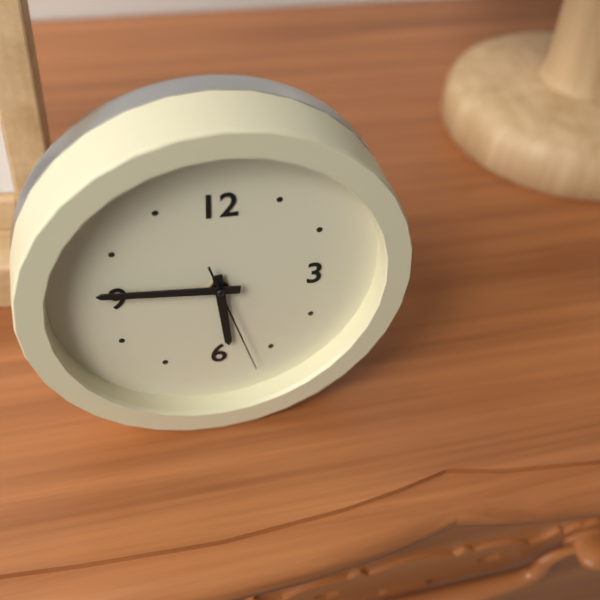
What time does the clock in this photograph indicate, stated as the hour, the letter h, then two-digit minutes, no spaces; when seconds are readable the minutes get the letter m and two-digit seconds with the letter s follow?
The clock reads 5h46m27s
